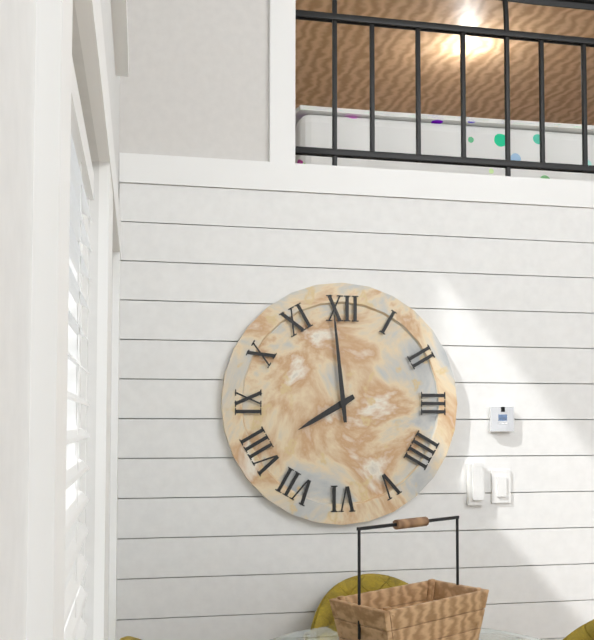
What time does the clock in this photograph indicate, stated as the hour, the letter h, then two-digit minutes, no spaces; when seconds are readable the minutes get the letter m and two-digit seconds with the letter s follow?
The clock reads 7h59
